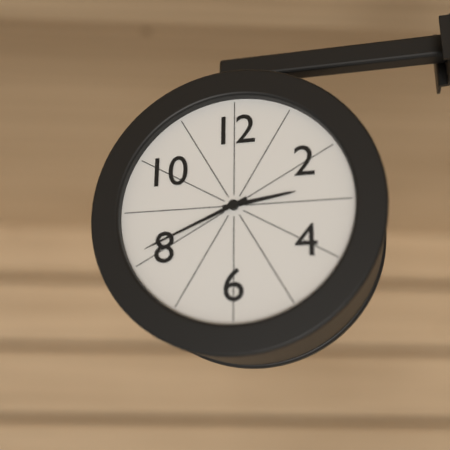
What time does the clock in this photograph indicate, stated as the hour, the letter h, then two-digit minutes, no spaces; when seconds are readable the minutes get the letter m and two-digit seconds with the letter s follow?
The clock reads 2h41
